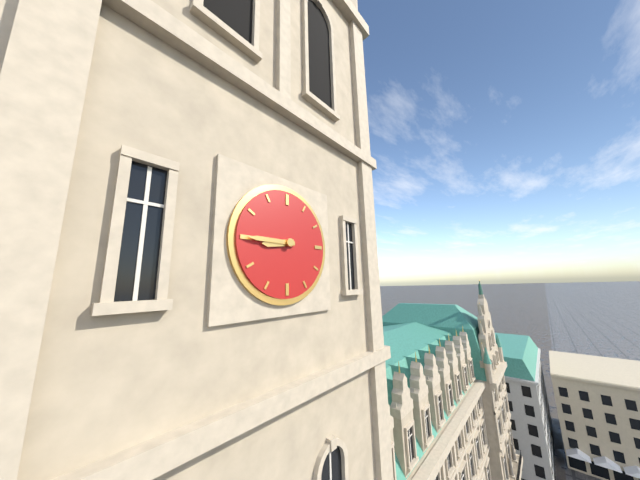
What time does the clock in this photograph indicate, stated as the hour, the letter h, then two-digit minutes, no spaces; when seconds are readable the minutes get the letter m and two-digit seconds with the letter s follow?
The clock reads 8h45
